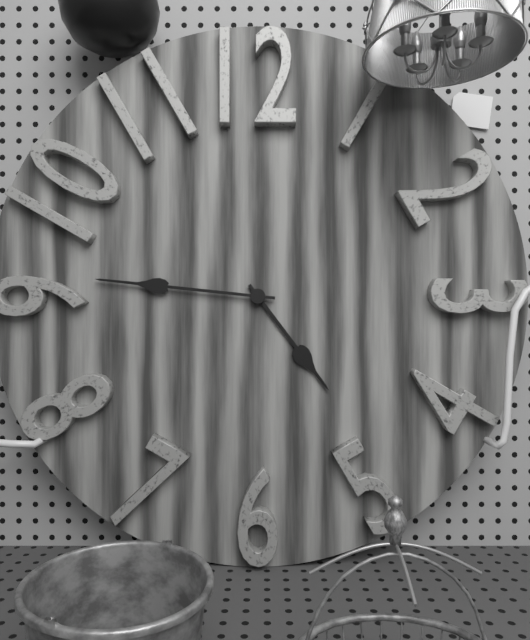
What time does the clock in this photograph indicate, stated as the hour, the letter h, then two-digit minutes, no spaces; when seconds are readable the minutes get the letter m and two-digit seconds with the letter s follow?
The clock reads 4h46
